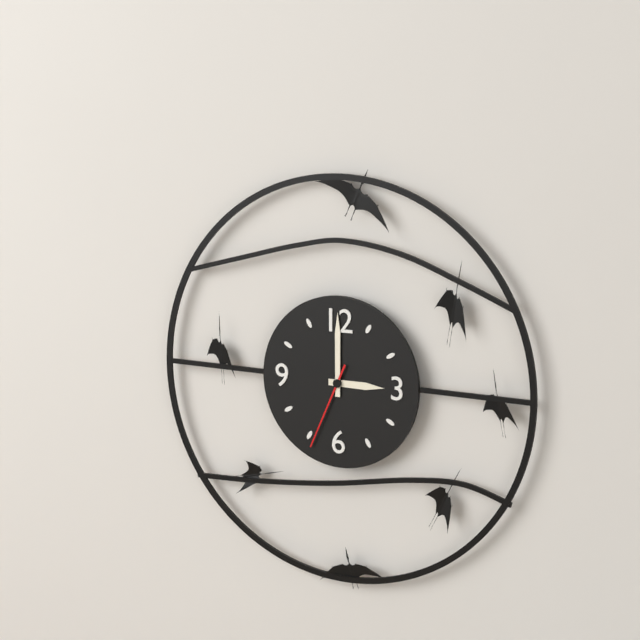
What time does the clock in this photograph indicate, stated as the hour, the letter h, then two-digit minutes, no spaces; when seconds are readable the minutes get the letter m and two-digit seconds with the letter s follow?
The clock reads 3h00m34s
